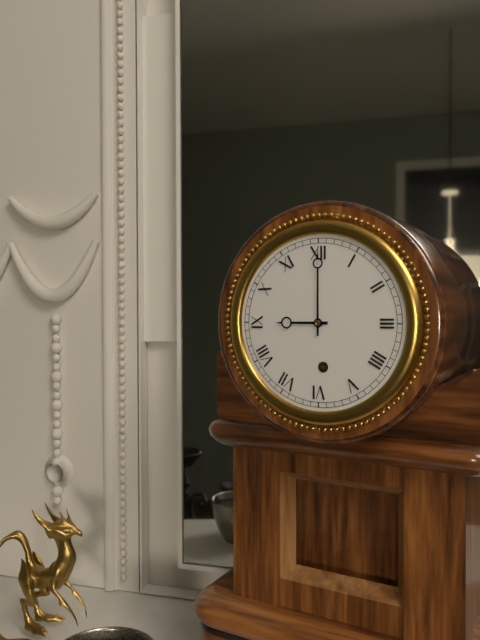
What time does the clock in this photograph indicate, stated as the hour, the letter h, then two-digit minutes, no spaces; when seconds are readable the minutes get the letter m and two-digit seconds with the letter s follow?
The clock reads 9h00
